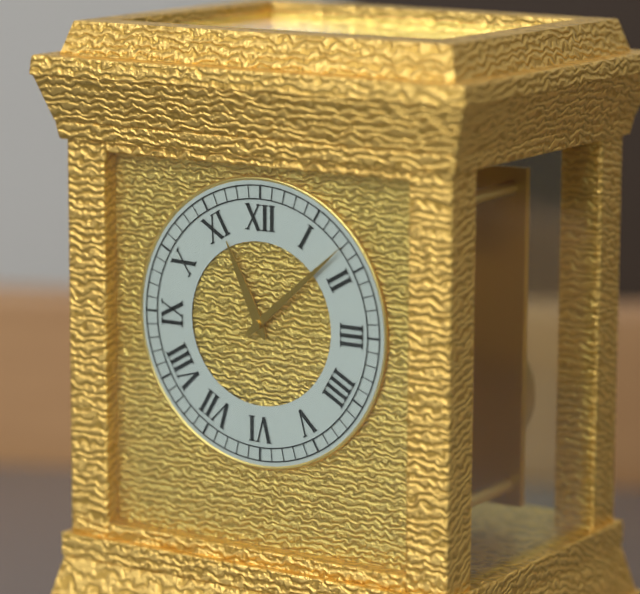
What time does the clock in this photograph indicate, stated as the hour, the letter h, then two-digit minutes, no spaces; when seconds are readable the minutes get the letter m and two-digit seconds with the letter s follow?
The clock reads 11h08
